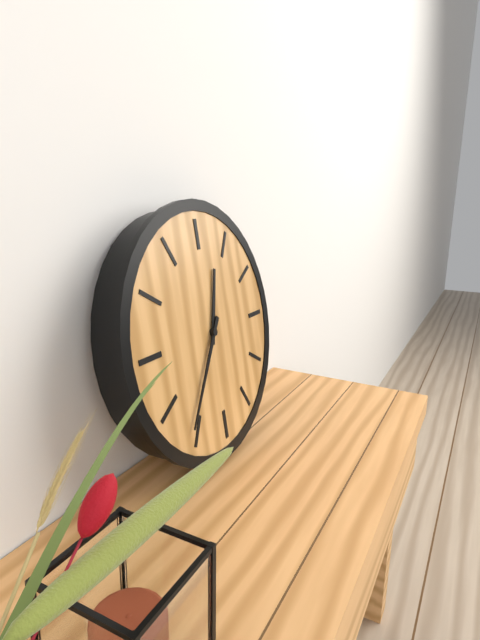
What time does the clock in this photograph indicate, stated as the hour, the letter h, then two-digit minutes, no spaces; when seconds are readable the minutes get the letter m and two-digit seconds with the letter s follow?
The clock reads 12h36
